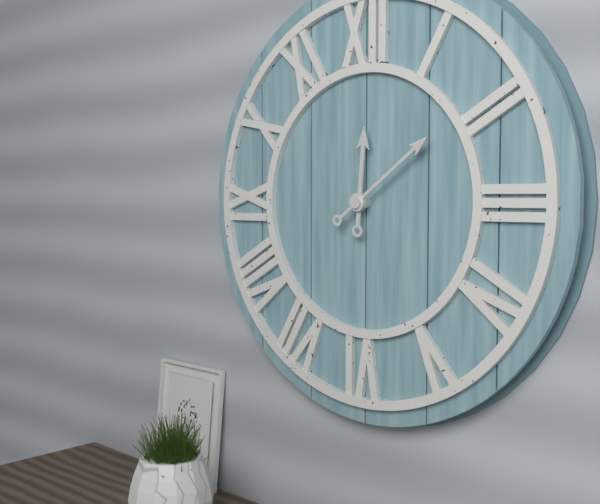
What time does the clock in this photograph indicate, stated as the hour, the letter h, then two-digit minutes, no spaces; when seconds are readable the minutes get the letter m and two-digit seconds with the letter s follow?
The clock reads 12h09
